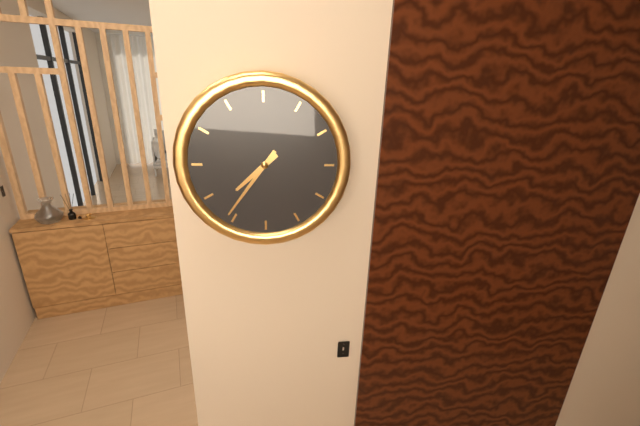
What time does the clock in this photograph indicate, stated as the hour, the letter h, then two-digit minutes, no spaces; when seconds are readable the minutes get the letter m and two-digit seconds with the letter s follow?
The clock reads 7h36
